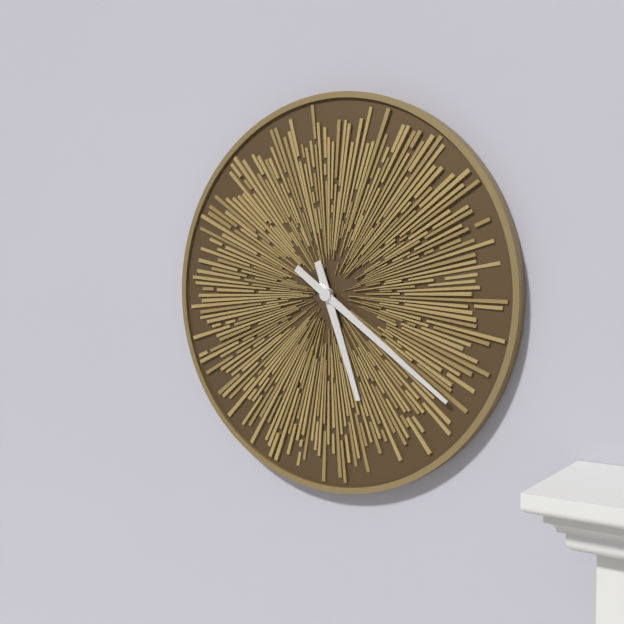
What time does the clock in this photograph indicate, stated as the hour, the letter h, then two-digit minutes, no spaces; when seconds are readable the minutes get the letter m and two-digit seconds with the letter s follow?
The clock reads 5h21
